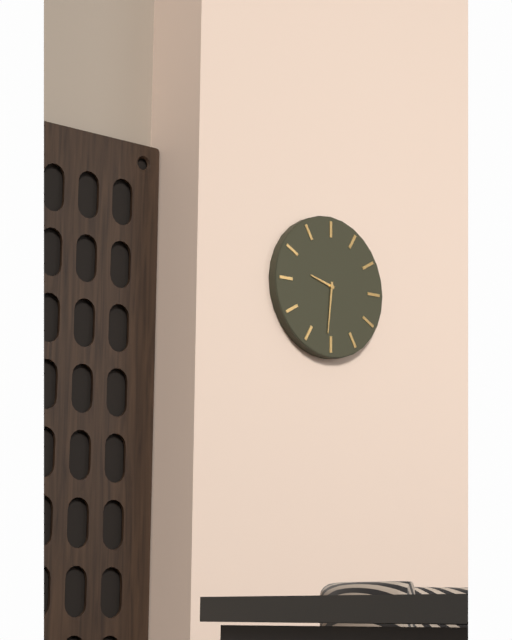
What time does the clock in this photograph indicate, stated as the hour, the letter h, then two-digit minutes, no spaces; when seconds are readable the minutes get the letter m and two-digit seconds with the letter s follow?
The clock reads 9h31
